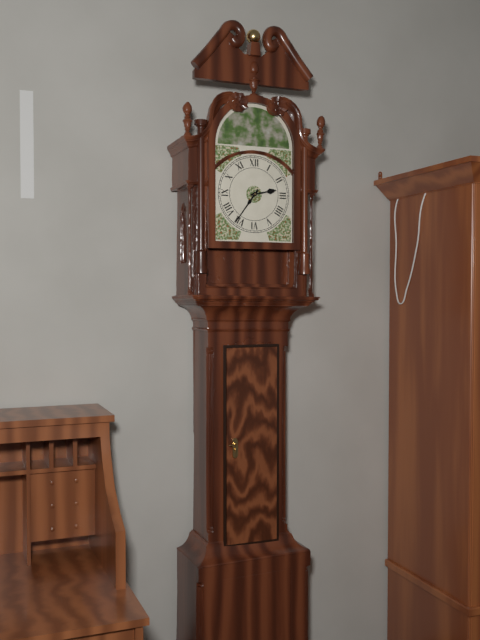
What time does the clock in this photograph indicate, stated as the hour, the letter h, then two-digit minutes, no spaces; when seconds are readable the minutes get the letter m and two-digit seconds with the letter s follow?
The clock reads 2h36
